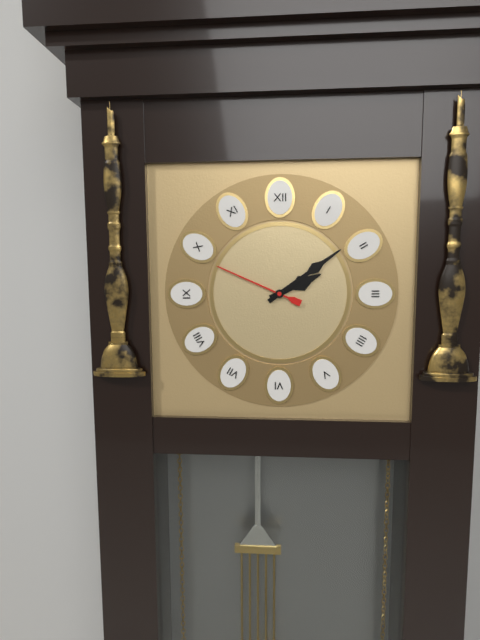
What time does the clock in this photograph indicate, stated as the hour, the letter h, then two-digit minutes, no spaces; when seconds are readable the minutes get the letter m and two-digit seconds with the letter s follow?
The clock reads 2h09m49s
